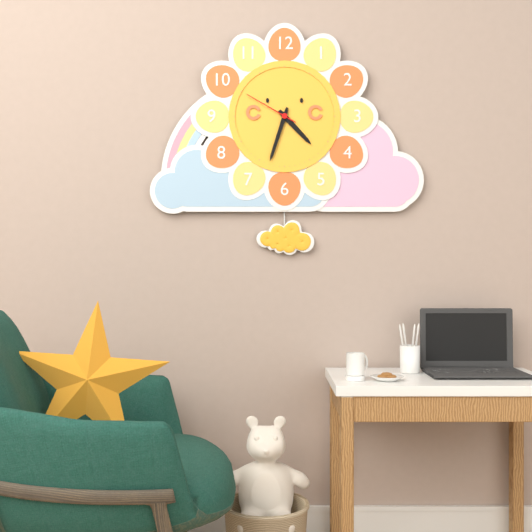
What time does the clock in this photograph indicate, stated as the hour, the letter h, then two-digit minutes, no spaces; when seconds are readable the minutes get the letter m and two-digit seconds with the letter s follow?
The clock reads 4h33m50s
